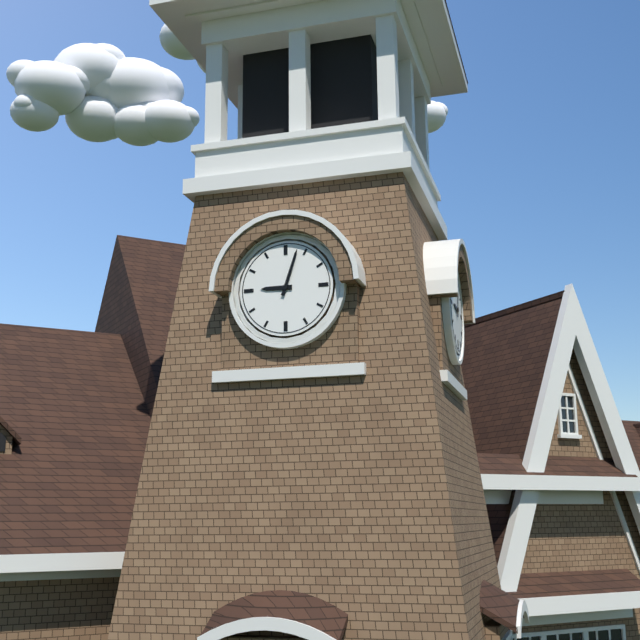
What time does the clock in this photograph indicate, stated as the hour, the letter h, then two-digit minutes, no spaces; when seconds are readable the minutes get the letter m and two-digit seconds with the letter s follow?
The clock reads 9h03
